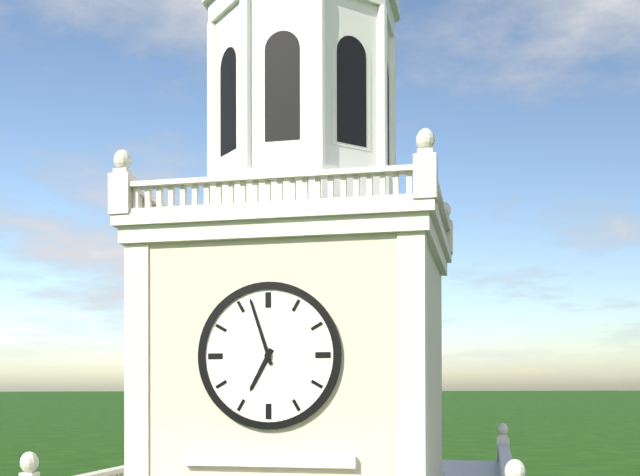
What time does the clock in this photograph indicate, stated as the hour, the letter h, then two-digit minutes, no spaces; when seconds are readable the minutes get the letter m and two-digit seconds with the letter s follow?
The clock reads 6h57
